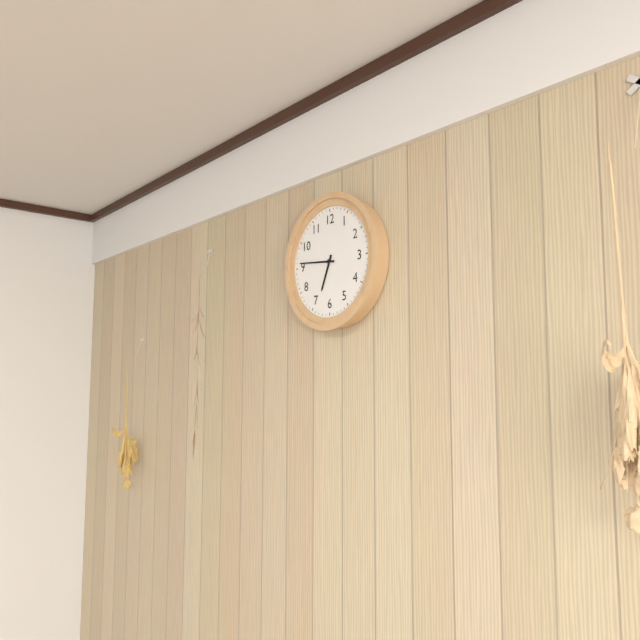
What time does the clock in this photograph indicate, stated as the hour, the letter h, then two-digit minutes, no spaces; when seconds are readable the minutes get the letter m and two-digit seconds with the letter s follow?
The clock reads 6h46
